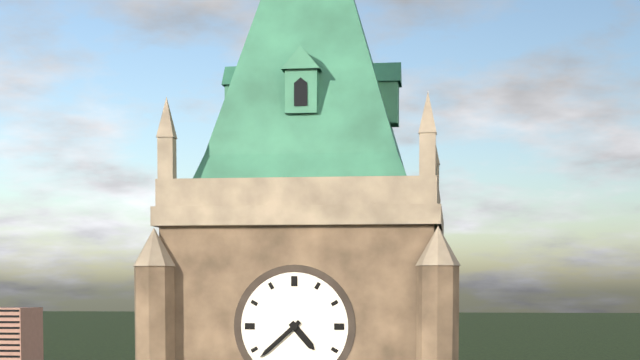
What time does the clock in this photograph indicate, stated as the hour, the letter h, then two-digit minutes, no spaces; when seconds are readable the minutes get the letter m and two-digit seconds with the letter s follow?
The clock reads 4h38
